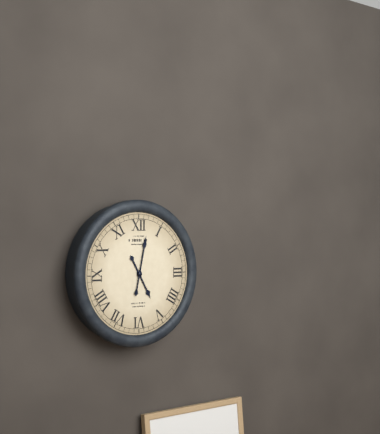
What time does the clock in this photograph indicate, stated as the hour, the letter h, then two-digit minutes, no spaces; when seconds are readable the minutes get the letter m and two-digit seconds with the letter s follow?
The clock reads 5h02
